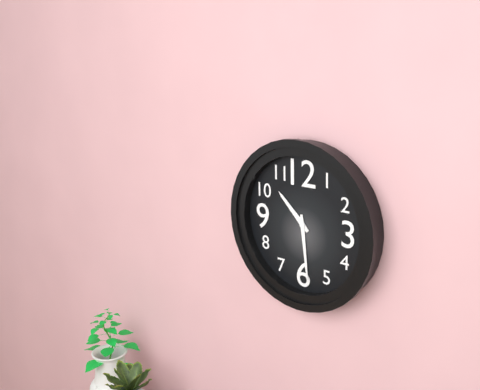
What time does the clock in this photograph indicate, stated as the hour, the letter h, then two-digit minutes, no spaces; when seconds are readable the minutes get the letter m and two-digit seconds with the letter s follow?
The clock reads 10h29
